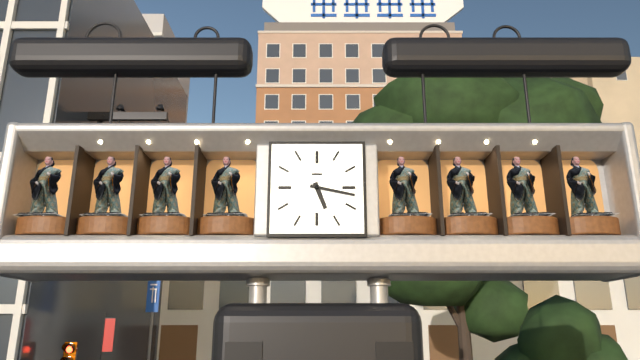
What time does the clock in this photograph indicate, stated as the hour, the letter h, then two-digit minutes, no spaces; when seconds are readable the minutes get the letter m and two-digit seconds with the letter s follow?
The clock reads 5h17
